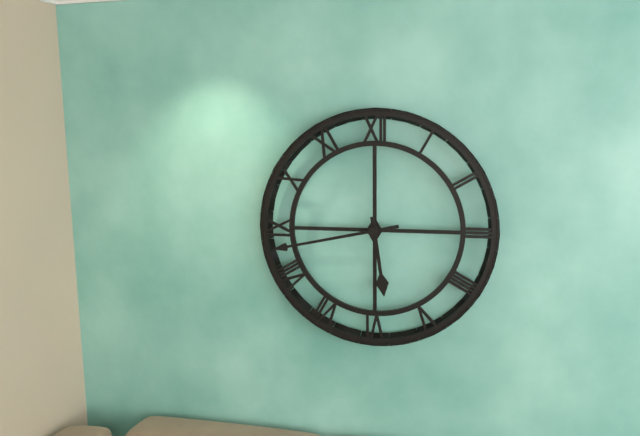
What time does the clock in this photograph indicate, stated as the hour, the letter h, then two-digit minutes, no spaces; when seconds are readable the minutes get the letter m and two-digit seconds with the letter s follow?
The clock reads 5h43
